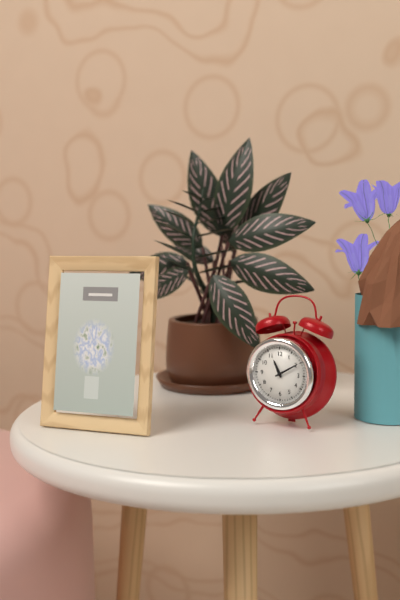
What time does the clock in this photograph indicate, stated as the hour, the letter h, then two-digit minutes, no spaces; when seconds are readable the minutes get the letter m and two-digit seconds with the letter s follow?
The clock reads 11h10
